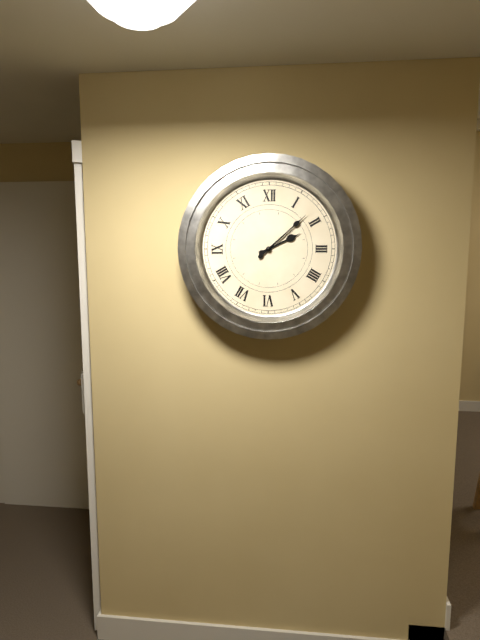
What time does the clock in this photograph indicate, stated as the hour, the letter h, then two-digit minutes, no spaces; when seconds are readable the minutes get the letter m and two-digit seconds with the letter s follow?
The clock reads 2h08
